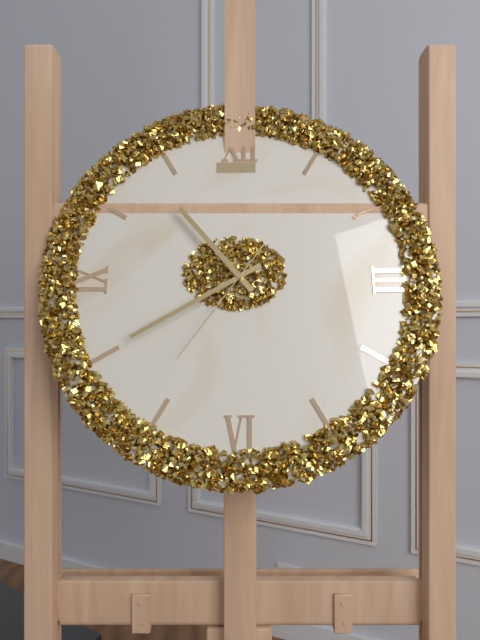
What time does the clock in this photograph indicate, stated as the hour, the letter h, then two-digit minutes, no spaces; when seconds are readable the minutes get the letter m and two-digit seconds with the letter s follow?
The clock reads 10h40m36s
